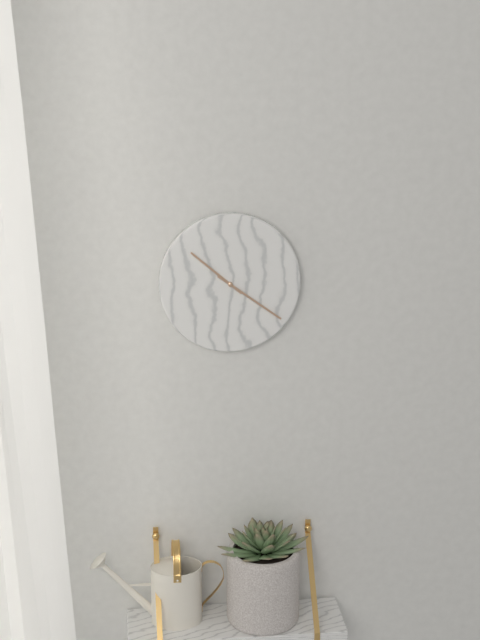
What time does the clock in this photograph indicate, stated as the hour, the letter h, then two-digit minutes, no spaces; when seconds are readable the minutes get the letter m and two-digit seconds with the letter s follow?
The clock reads 10h21
